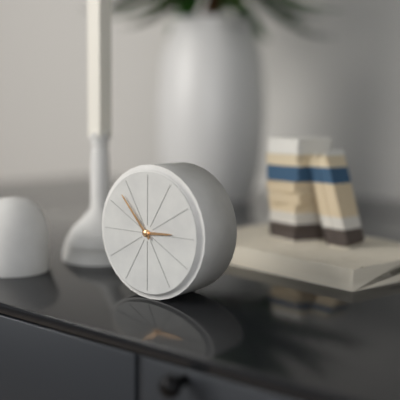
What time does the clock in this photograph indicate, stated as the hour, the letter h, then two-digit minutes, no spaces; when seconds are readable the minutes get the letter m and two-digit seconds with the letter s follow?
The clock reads 2h53
